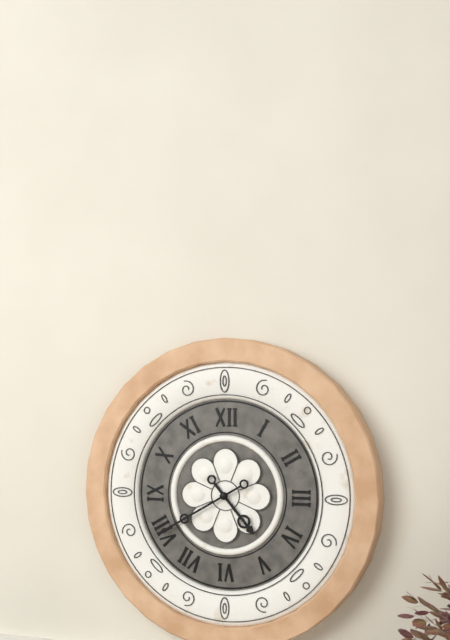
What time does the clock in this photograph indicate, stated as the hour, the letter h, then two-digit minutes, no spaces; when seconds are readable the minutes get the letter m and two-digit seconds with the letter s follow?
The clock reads 4h40
